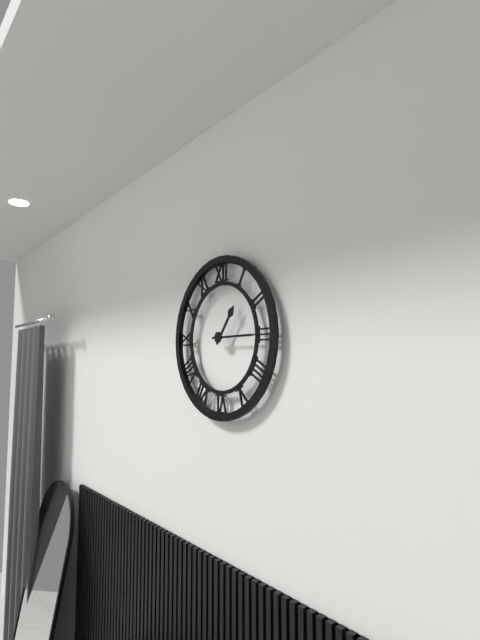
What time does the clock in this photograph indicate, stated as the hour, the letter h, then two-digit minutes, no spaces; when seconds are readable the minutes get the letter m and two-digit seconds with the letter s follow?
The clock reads 1h15
